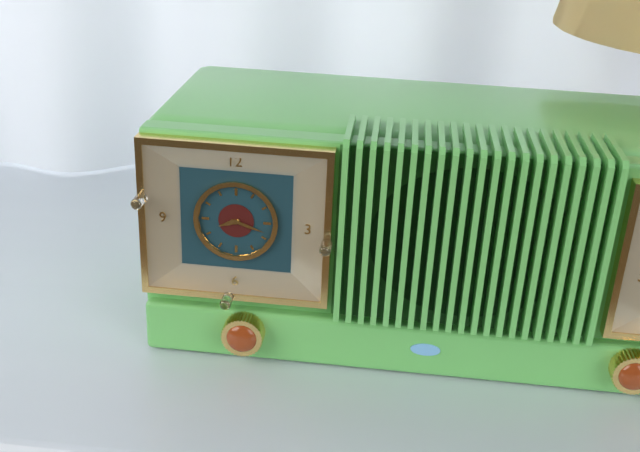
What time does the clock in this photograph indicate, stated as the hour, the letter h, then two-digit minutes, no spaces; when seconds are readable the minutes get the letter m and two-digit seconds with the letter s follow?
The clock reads 8h18
